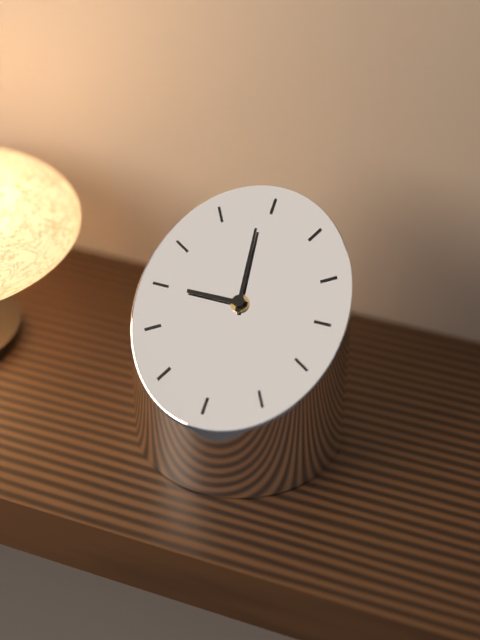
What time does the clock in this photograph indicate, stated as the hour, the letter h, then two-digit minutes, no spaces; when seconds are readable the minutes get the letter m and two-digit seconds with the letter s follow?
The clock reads 8h59
